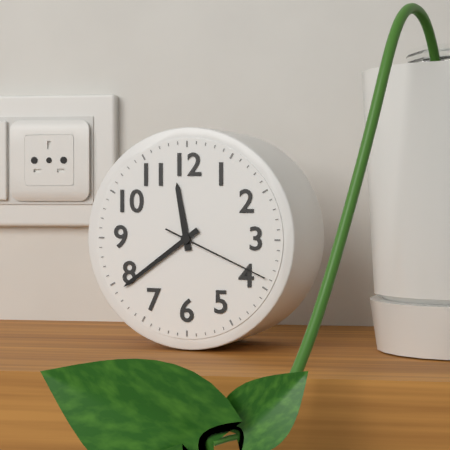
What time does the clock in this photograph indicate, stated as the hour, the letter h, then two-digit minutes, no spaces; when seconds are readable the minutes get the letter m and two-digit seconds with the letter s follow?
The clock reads 11h39m19s
